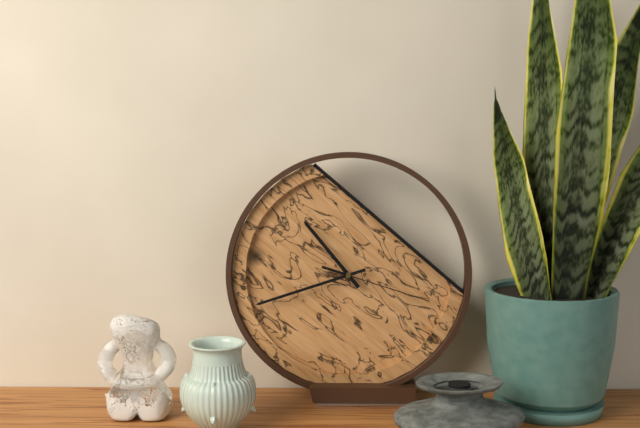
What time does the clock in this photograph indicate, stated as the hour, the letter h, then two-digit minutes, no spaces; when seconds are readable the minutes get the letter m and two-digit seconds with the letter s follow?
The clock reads 10h42m18s
